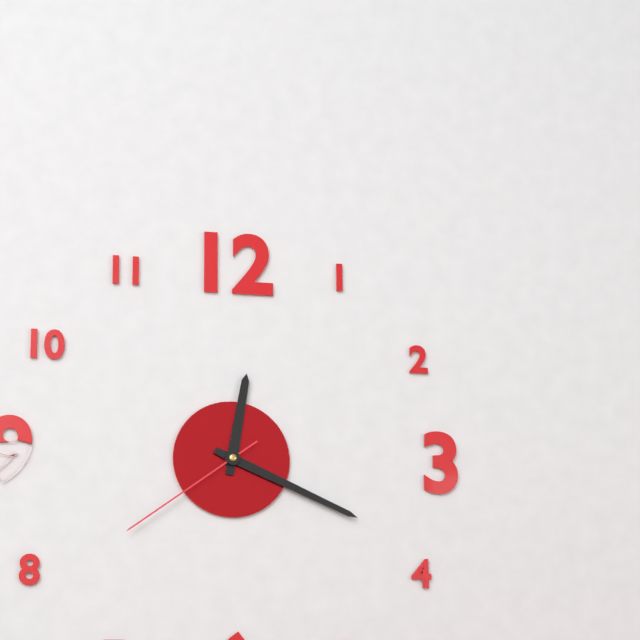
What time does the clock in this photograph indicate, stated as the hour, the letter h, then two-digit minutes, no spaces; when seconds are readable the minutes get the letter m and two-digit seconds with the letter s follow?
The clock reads 12h19m39s
